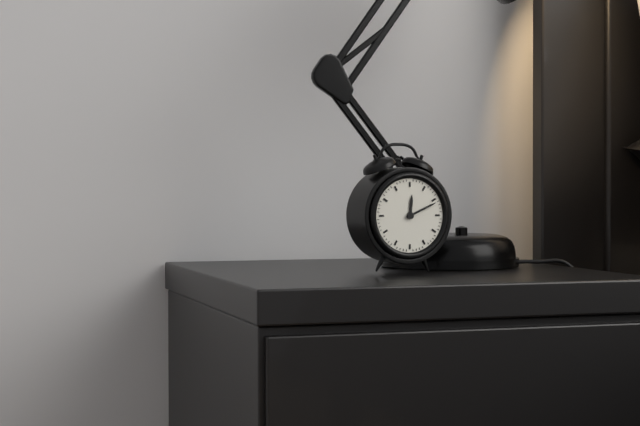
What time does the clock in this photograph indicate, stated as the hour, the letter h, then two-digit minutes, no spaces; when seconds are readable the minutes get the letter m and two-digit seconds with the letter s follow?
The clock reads 12h11
